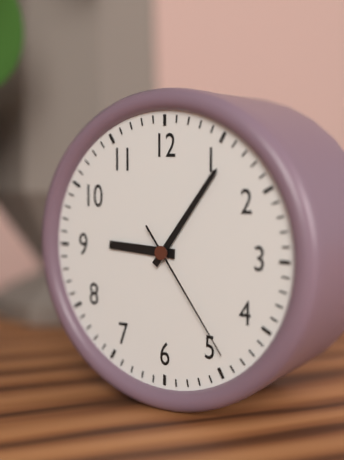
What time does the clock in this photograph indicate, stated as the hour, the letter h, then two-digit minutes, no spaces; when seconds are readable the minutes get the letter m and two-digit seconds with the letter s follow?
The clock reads 9h06m24s
